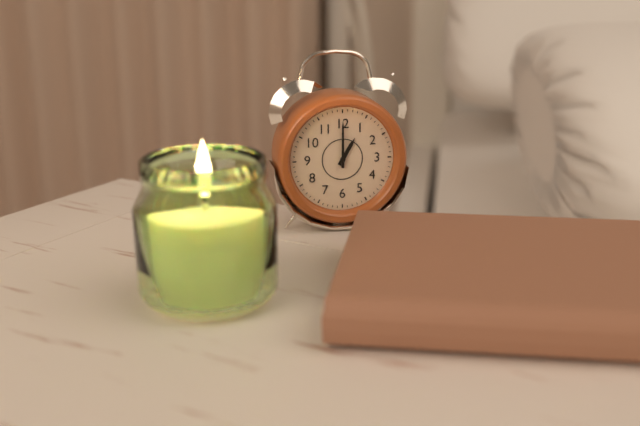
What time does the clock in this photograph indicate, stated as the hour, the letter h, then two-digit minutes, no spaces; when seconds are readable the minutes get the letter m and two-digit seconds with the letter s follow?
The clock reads 1h00
